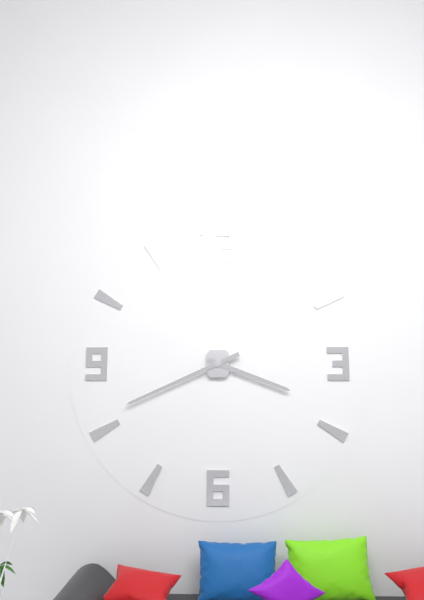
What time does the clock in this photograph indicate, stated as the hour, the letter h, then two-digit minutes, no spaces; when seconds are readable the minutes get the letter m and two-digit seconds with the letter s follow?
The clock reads 3h41
